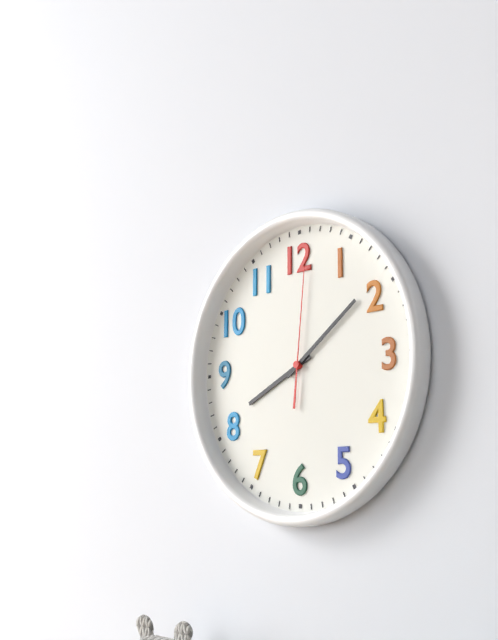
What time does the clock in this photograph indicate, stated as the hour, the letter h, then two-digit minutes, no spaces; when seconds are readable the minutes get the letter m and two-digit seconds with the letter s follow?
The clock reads 8h09m01s
